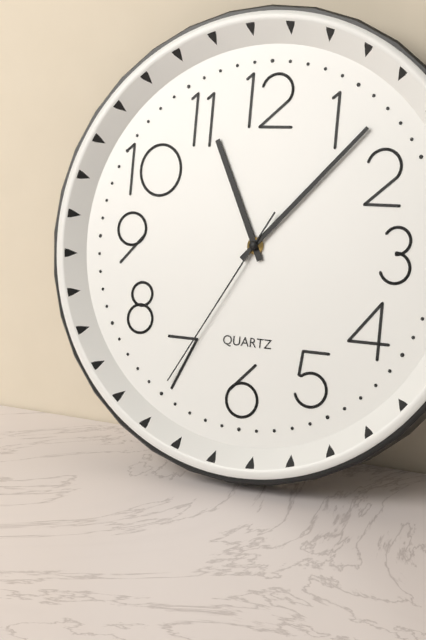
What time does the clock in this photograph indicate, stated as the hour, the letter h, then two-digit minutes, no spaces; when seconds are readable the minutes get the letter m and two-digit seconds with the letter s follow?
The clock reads 11h07m35s
